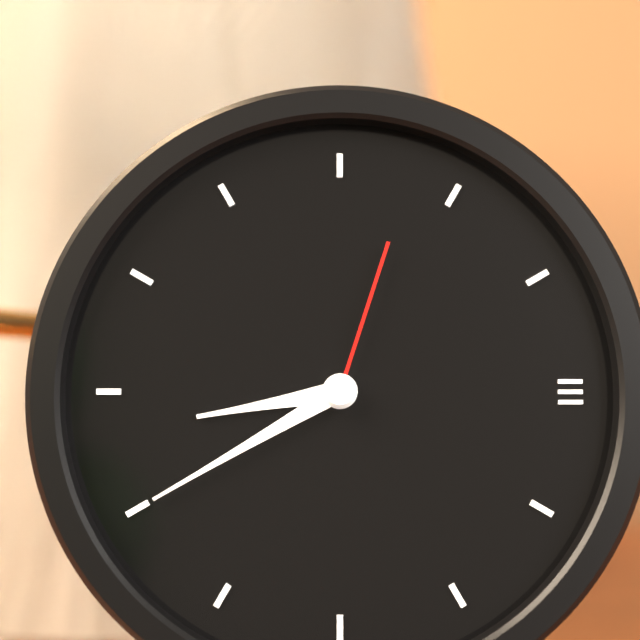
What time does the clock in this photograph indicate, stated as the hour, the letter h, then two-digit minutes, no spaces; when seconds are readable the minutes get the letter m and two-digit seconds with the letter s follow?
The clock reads 8h40m03s
